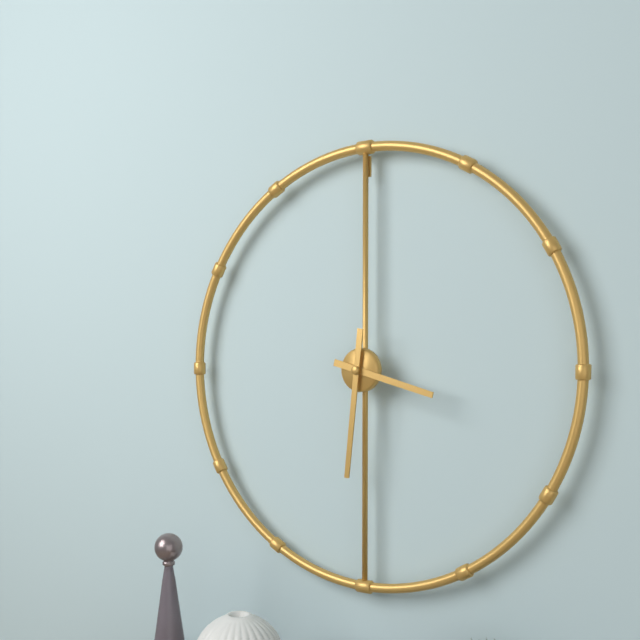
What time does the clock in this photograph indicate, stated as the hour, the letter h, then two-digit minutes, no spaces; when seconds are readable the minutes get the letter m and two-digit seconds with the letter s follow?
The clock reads 3h31
